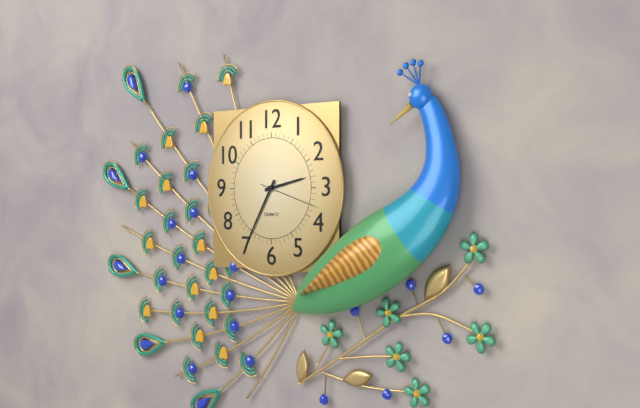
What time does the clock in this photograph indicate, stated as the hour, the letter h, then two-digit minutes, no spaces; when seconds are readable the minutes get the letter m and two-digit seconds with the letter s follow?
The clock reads 2h35m18s
